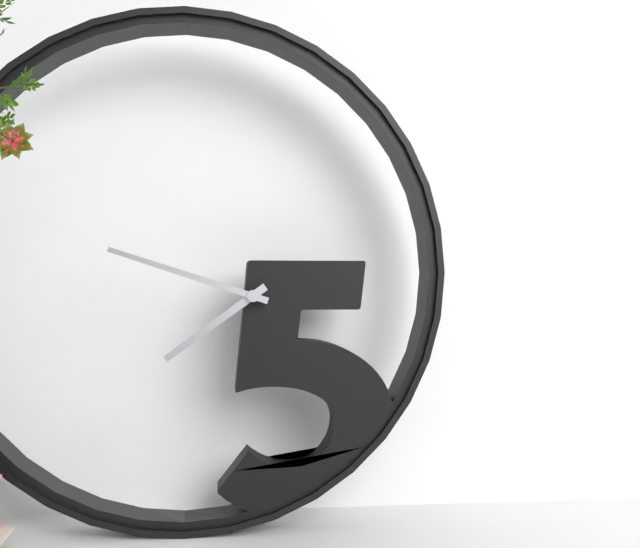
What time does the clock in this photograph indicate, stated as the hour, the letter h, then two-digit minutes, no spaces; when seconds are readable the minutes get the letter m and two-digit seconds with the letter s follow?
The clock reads 7h48
